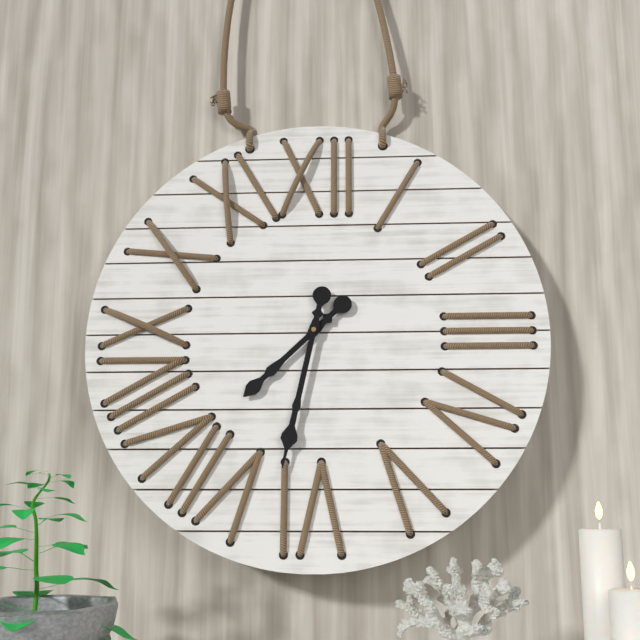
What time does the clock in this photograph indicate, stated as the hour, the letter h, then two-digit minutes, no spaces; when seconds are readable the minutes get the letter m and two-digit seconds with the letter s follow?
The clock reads 7h32
